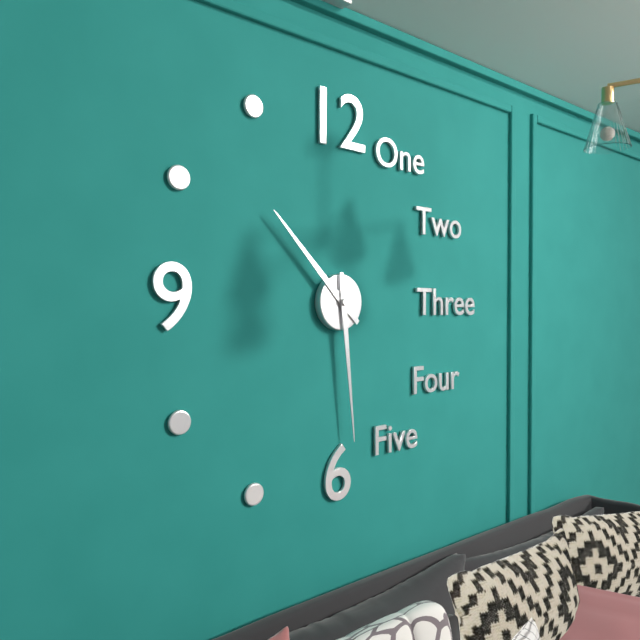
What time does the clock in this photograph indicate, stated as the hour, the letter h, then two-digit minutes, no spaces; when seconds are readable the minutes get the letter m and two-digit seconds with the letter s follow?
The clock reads 10h29
